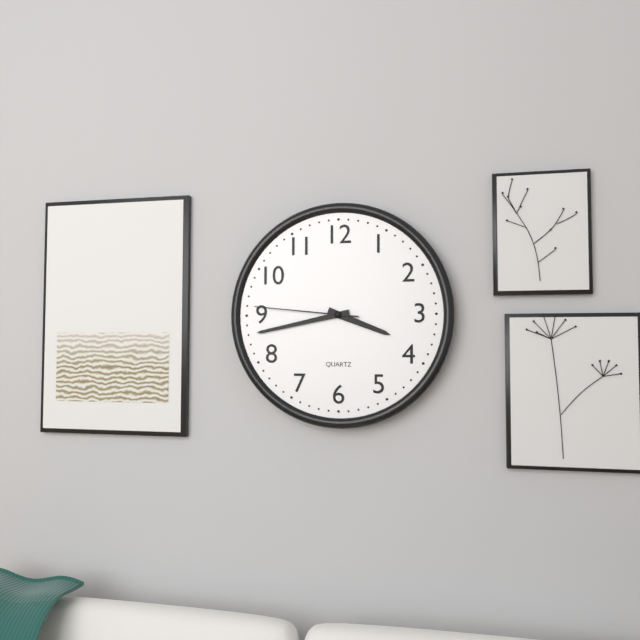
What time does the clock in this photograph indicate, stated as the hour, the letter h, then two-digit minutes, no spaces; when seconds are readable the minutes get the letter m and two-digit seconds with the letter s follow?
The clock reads 3h43m46s
